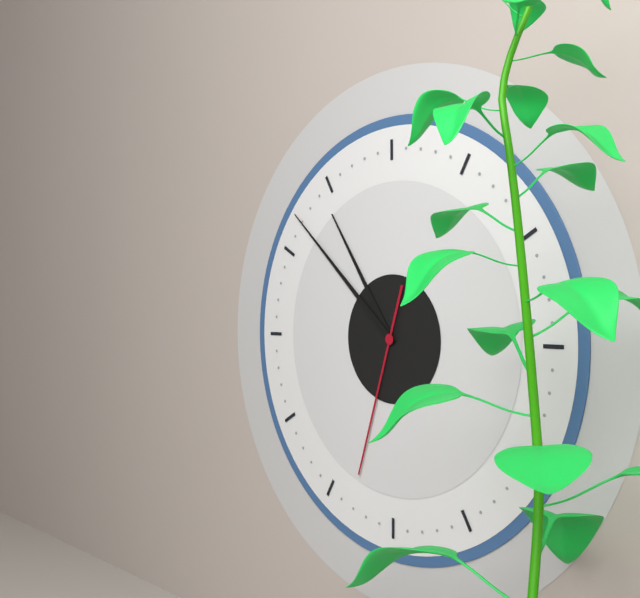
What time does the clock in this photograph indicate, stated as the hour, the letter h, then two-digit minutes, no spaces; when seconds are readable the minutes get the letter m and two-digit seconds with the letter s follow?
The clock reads 10h52m33s
